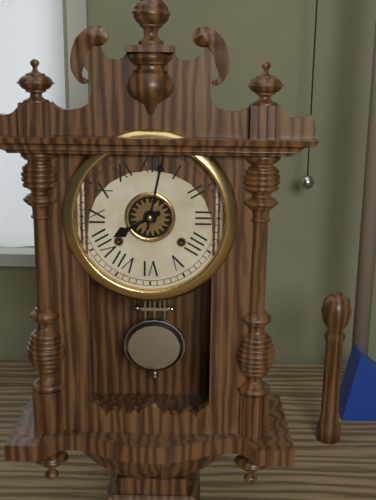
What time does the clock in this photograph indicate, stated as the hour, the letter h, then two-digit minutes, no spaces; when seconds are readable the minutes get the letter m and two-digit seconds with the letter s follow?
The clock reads 8h02
